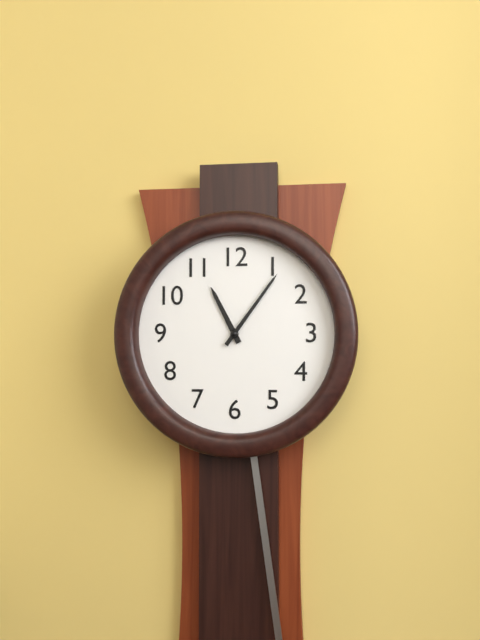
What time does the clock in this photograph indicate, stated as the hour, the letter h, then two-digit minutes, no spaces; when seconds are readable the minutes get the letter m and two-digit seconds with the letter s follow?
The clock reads 11h06
